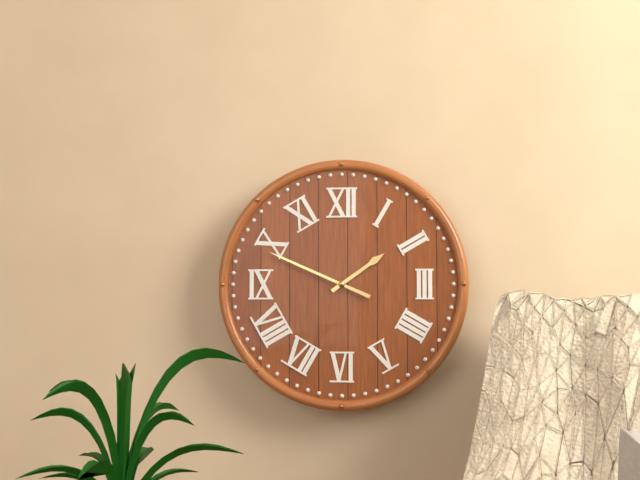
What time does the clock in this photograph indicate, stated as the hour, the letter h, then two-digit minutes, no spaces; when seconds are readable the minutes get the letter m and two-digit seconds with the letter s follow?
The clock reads 1h49
